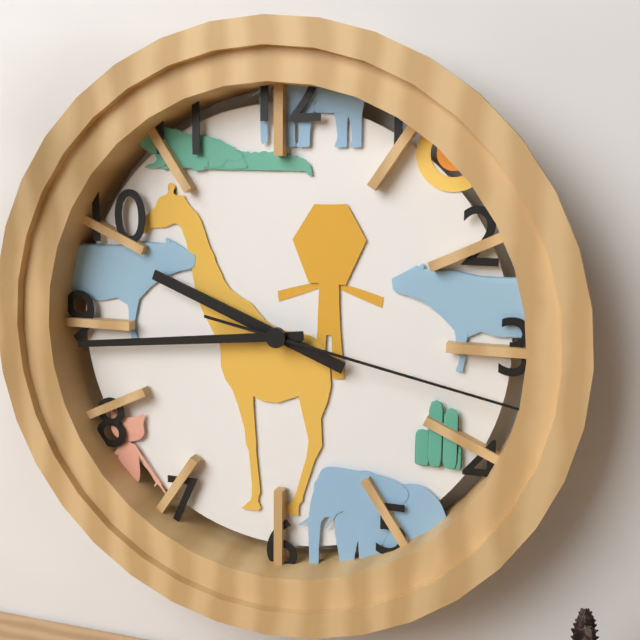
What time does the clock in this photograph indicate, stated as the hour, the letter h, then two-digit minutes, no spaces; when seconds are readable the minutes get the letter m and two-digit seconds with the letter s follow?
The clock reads 9h44m17s
